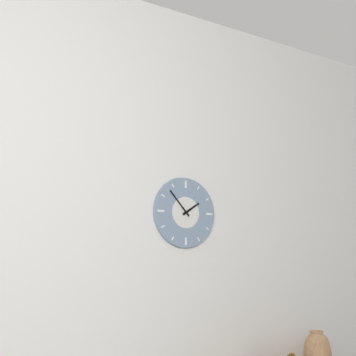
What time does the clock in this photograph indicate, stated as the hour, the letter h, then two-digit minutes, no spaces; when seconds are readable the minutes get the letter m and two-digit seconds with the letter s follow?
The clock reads 1h53
